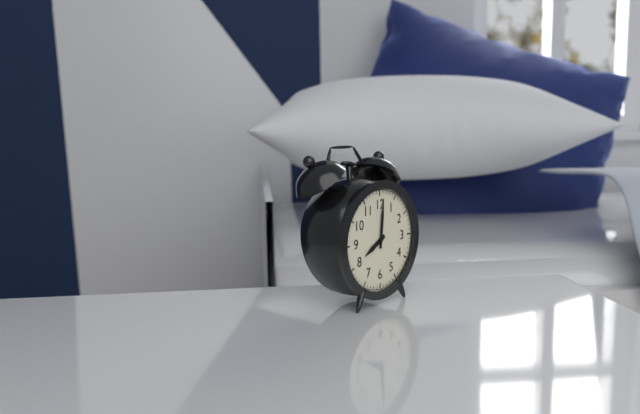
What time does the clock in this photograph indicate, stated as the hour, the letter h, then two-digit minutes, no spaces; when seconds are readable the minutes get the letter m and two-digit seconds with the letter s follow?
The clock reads 8h01
